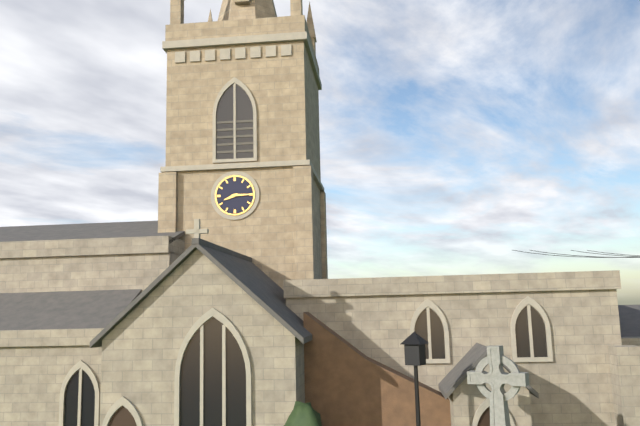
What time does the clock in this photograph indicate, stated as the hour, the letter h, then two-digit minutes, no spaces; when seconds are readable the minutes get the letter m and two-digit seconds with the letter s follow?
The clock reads 8h15
